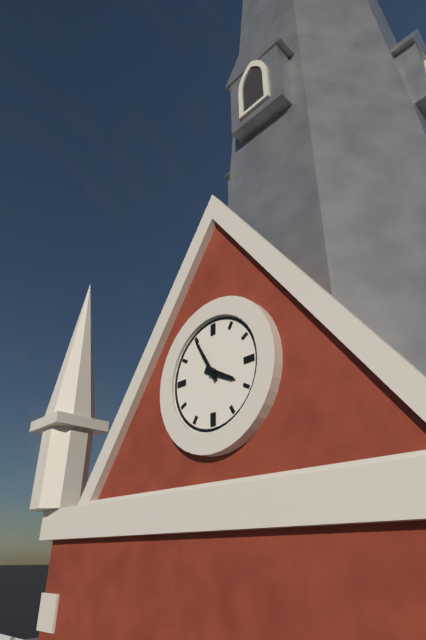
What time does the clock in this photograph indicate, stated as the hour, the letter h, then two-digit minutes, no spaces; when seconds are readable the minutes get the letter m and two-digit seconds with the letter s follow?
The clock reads 3h55
